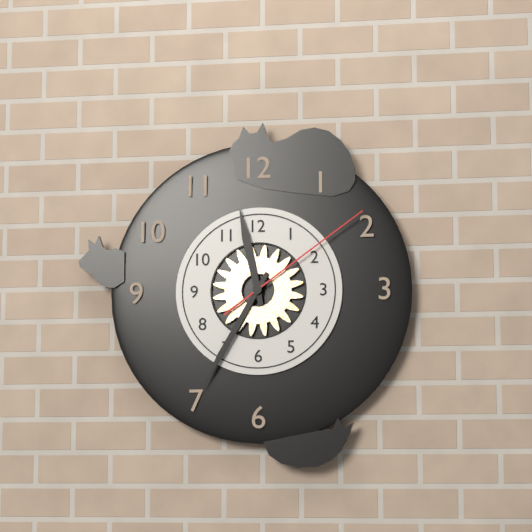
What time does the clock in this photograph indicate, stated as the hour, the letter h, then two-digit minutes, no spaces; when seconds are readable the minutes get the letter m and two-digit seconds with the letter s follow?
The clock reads 11h35m09s
